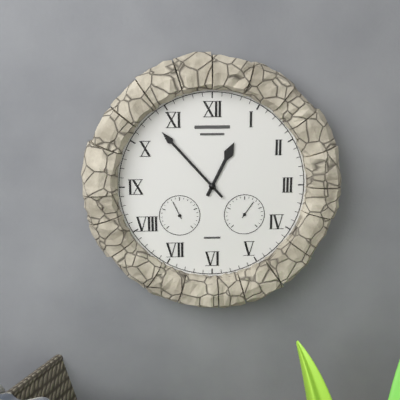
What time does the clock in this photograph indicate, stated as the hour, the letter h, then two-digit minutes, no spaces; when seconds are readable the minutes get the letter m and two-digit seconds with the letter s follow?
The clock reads 12h53
